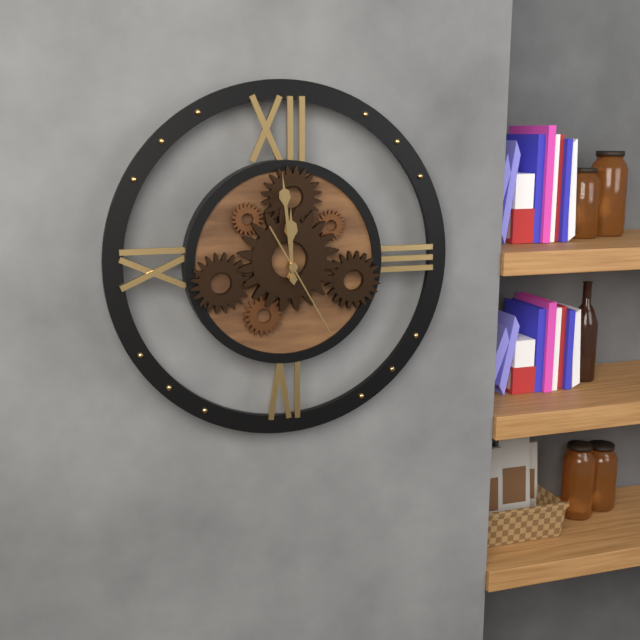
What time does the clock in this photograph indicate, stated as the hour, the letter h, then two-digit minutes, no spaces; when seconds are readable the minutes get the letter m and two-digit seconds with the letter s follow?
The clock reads 11h59m25s
